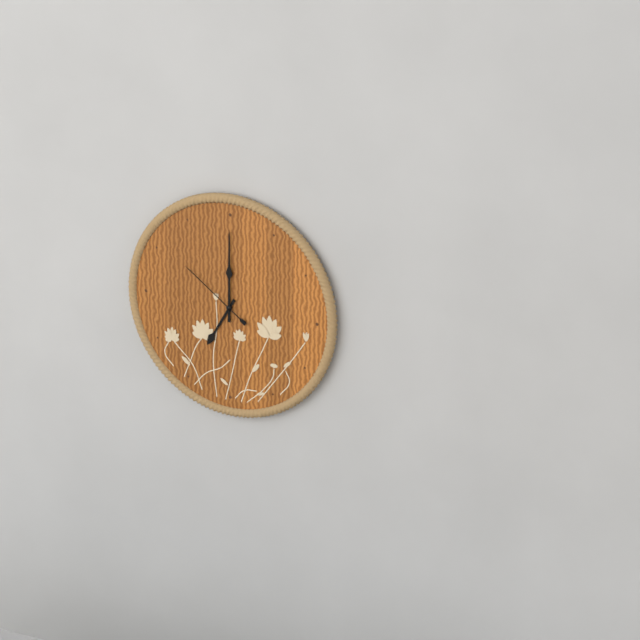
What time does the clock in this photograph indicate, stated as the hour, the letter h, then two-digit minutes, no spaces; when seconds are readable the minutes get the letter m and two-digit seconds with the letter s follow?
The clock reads 7h00m51s
